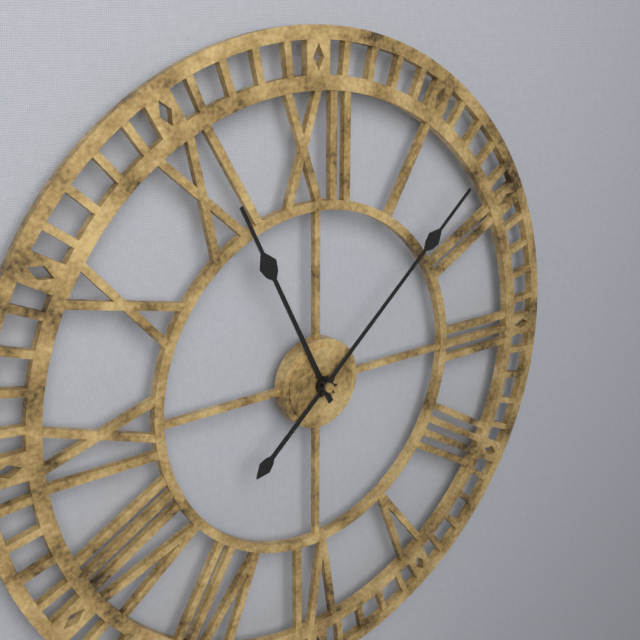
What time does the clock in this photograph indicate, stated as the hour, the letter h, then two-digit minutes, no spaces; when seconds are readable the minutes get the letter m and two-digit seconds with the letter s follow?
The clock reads 11h08
